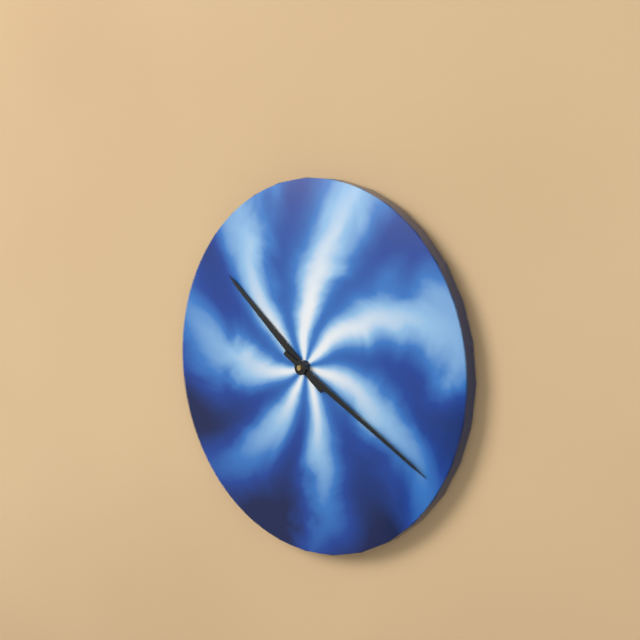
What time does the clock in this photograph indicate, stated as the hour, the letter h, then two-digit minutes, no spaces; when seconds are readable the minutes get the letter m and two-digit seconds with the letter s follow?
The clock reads 10h20
